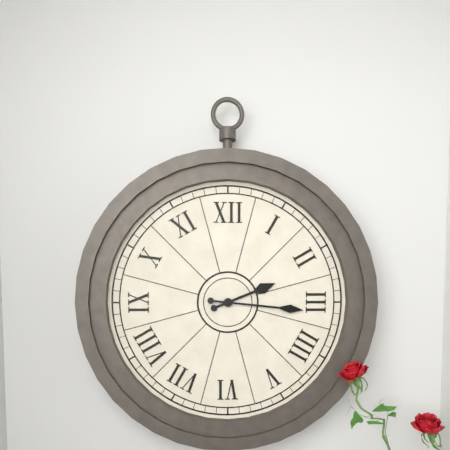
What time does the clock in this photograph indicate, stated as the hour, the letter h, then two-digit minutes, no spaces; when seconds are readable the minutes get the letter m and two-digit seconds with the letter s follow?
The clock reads 2h16
